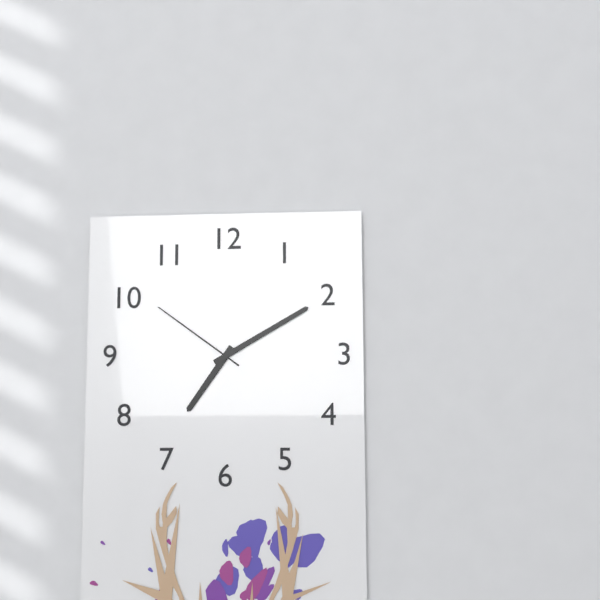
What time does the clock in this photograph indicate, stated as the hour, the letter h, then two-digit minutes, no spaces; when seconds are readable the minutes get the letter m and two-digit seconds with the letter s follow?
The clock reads 7h10m51s
